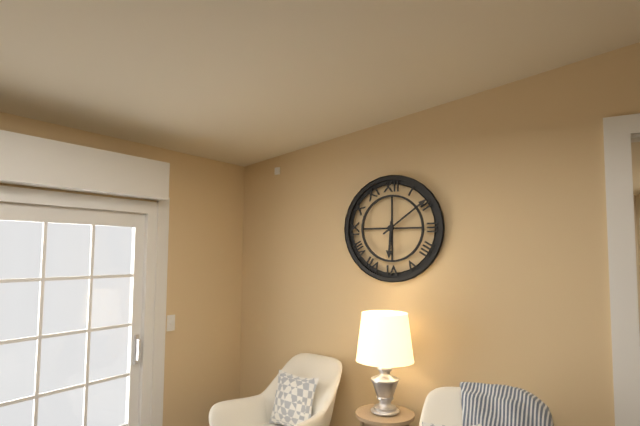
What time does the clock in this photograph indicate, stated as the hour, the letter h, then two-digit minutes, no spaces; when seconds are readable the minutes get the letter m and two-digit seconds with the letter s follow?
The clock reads 6h09
